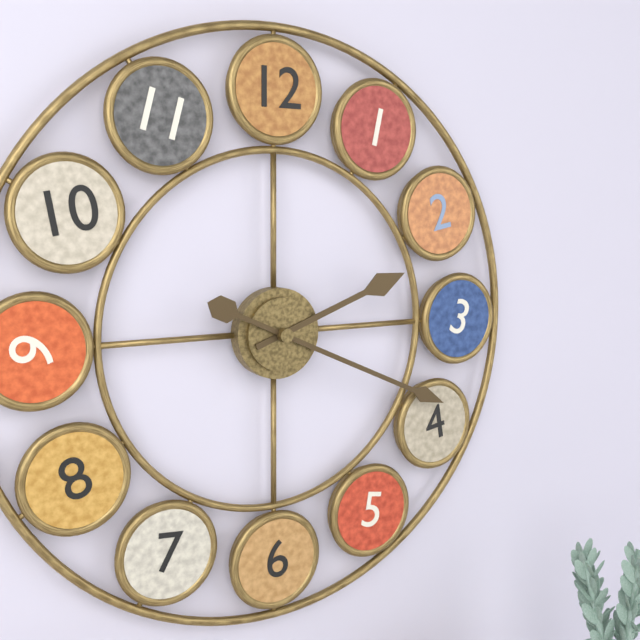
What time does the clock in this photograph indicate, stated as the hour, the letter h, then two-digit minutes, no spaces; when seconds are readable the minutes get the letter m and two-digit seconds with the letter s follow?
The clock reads 2h19
